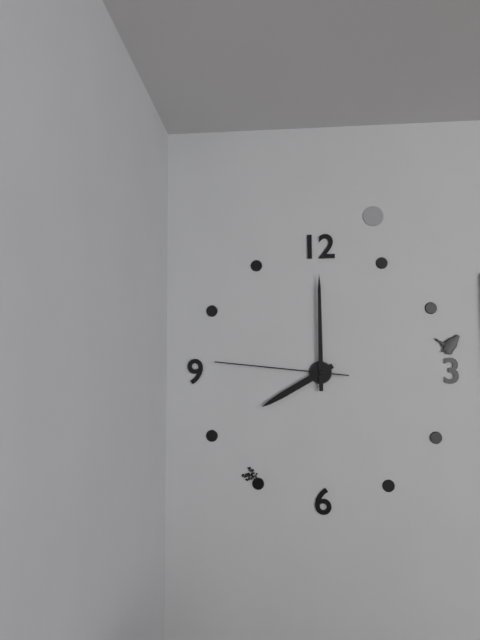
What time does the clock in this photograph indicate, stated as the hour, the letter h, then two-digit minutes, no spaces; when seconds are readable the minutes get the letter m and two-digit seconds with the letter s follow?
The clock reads 8h00m46s
